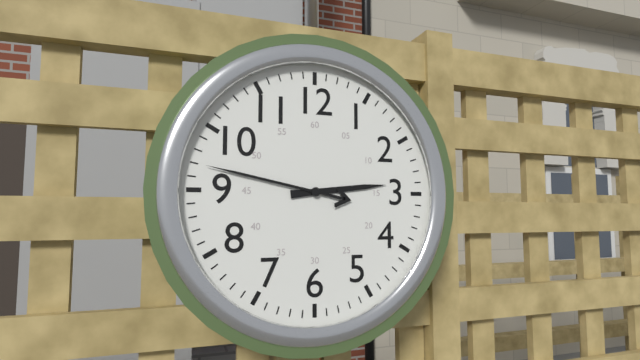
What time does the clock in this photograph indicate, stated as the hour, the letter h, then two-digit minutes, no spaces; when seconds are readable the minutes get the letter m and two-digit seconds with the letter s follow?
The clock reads 2h47
